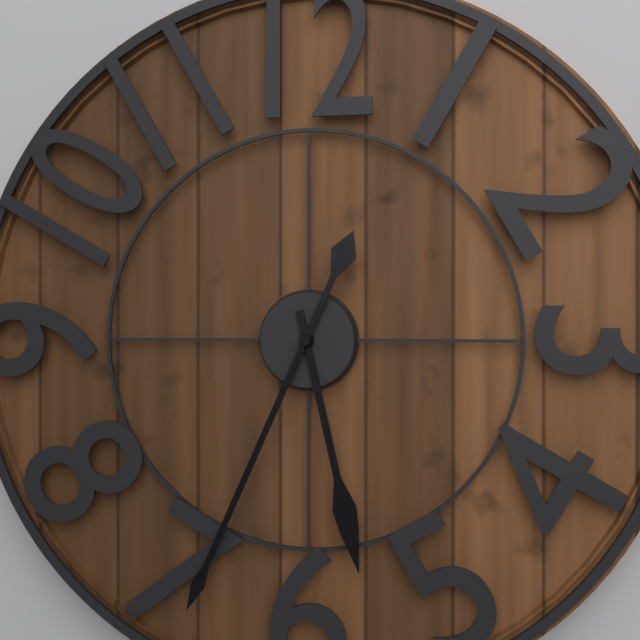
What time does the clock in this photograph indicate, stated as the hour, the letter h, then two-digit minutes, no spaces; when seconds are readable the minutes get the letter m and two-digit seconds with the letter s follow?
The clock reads 5h34
